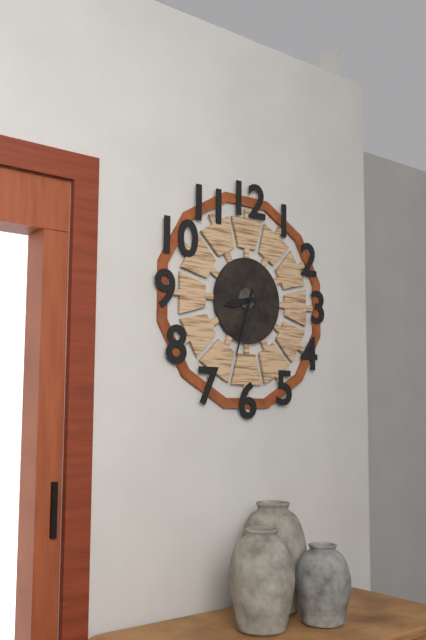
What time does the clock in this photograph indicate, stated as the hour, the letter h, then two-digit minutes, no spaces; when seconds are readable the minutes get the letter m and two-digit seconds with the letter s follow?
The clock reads 8h33
